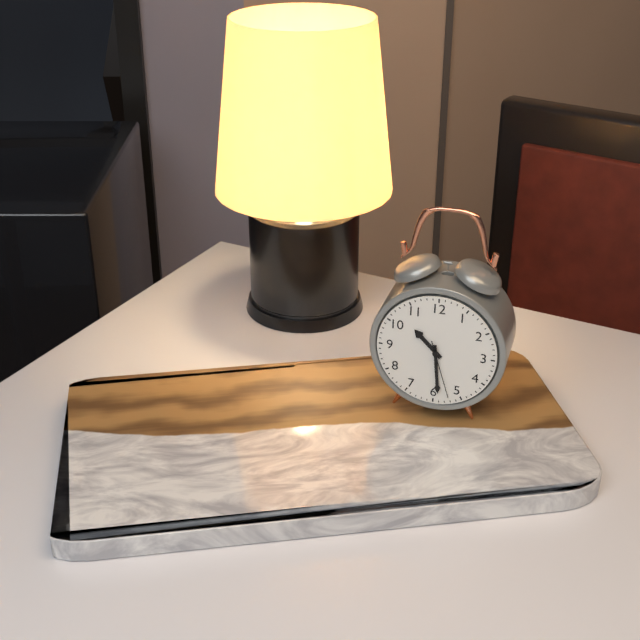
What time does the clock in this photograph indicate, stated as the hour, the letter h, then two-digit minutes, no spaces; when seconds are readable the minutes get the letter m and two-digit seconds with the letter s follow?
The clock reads 10h29m27s
